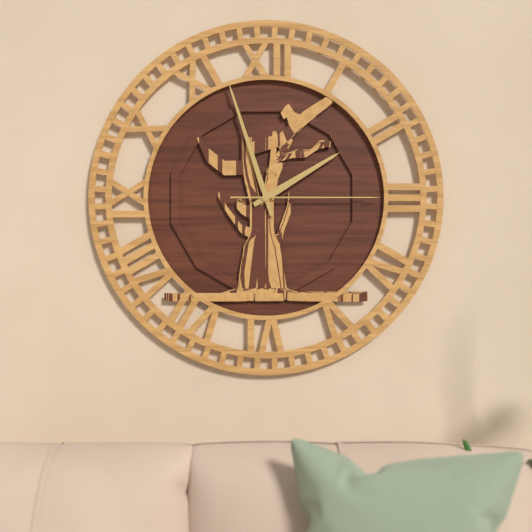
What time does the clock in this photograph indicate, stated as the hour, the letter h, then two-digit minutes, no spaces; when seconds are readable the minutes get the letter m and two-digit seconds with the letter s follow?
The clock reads 1h57m15s
